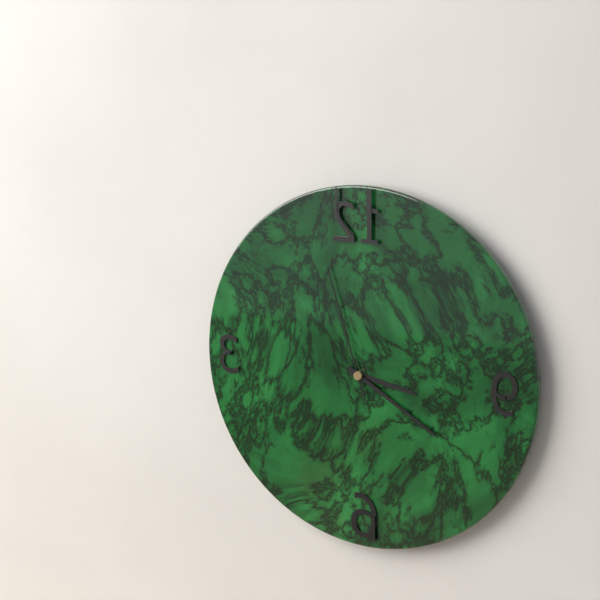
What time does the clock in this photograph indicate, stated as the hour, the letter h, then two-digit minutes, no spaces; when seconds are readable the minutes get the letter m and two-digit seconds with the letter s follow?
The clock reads 3h20m57s
